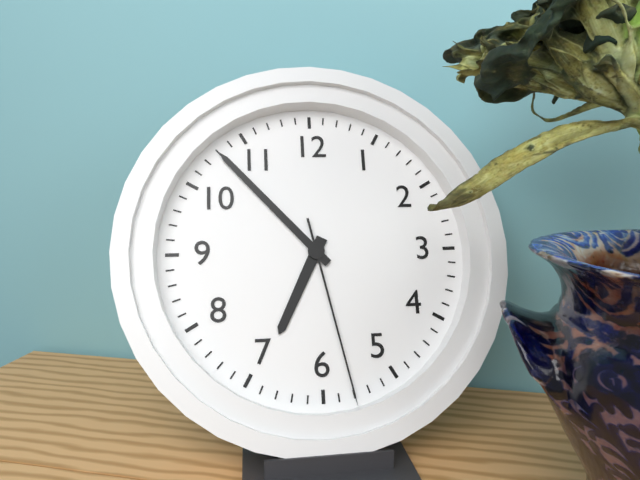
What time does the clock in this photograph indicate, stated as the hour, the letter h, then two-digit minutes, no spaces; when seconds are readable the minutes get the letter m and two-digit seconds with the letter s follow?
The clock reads 6h53m28s
